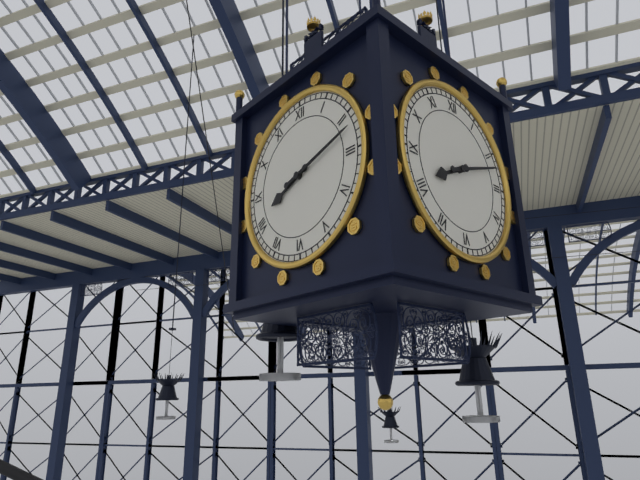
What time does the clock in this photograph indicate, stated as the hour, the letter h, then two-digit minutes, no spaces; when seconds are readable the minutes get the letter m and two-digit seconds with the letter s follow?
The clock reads 8h12
